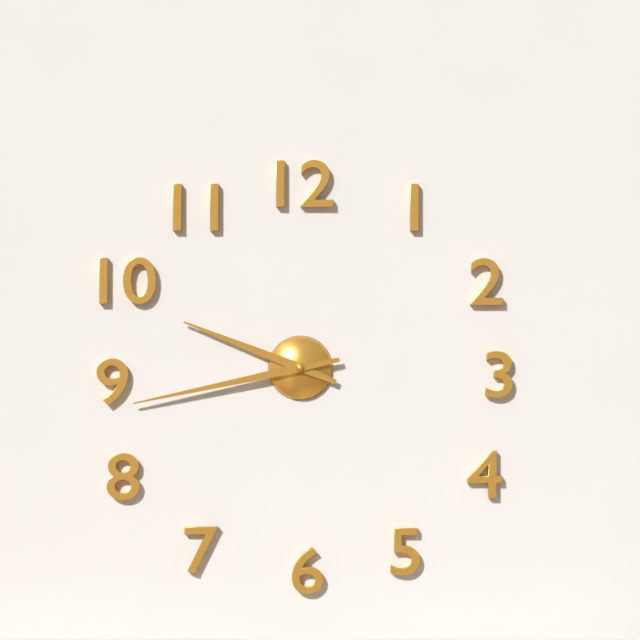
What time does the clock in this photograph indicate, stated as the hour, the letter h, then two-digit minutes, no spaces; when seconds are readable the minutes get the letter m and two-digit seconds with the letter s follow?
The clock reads 9h43
